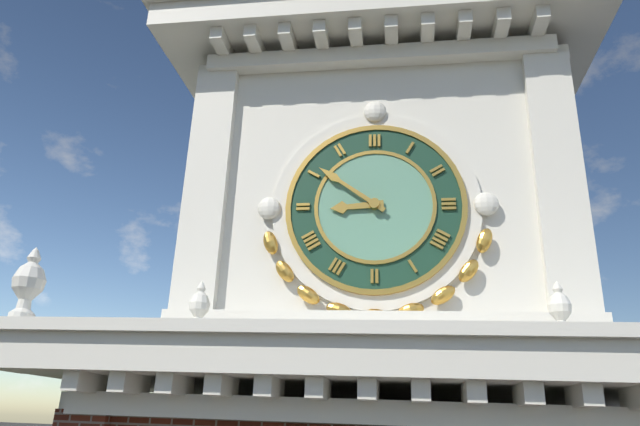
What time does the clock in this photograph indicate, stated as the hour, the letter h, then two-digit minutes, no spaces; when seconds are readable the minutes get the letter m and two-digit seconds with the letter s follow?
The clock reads 8h51
